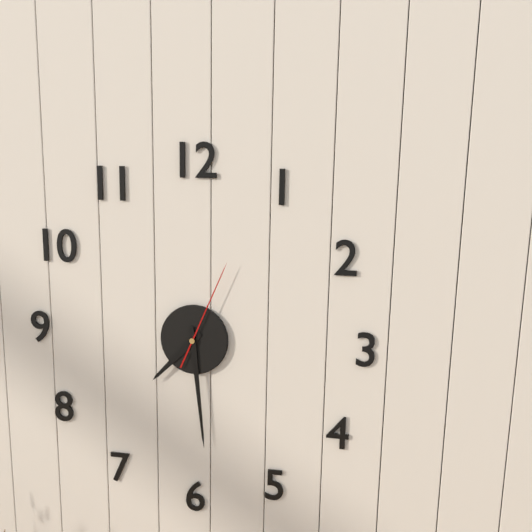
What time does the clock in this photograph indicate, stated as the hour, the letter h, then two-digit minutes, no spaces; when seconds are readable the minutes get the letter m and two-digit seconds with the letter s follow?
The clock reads 7h29m04s
